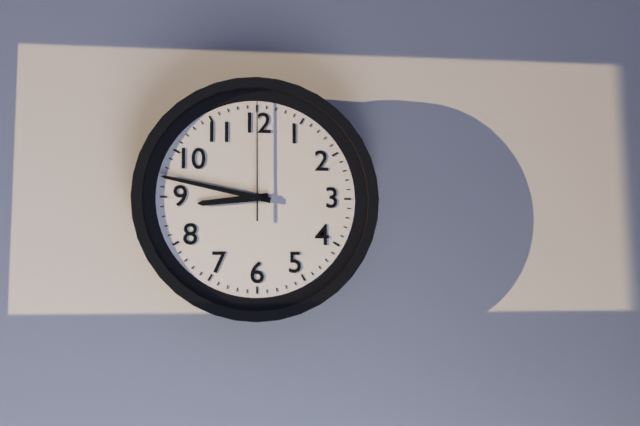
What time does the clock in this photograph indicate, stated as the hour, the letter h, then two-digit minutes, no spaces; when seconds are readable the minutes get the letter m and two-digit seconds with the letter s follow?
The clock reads 8h47m00s
